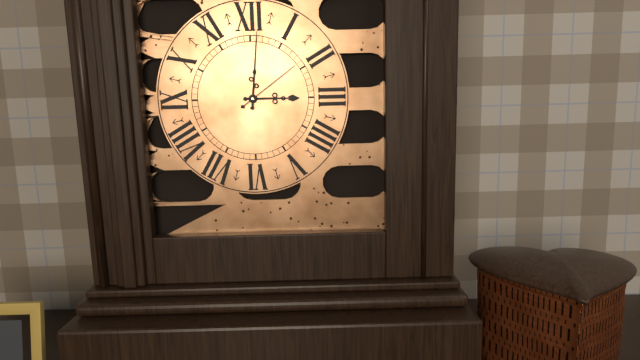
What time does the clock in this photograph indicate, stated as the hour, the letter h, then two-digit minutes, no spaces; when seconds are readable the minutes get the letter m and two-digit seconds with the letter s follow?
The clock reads 3h01m09s
